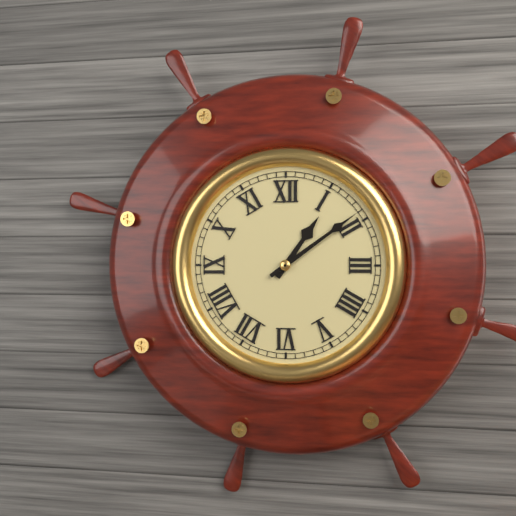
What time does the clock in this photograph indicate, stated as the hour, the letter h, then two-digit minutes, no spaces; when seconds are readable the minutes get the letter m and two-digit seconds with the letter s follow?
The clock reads 1h09
